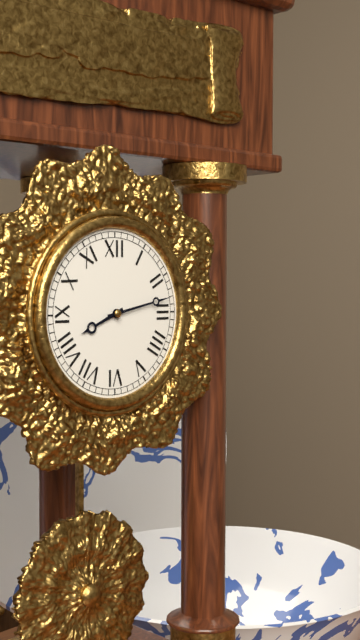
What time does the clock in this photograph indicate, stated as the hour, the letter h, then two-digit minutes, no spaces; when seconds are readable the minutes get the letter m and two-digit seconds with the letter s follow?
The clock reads 8h13
